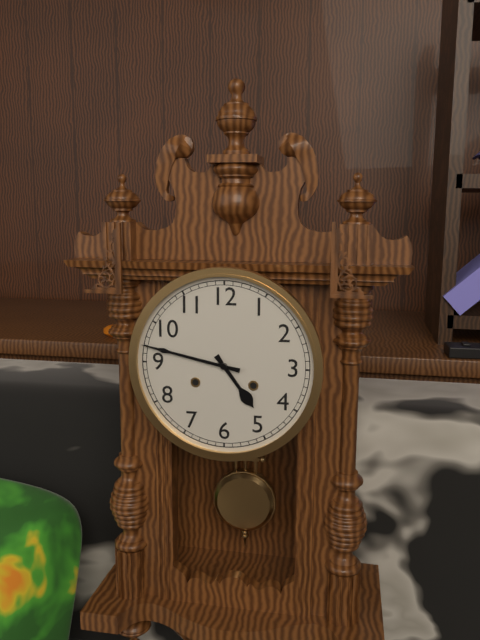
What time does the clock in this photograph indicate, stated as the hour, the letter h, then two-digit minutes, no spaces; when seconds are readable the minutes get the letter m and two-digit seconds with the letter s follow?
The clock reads 4h47
